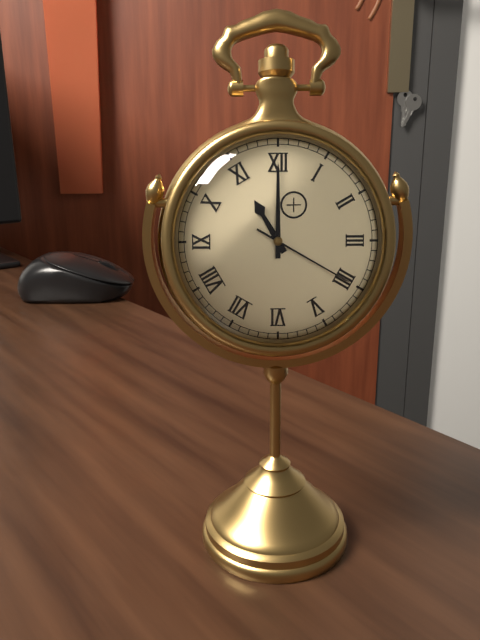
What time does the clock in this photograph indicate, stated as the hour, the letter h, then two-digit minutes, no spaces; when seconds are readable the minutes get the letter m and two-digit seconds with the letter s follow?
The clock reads 11h00m20s
